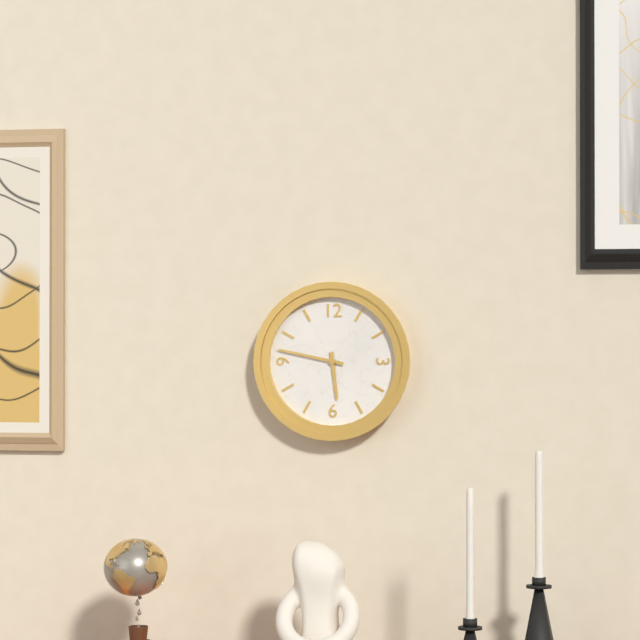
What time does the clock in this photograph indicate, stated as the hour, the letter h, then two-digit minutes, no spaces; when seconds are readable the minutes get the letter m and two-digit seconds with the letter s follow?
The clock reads 5h47
